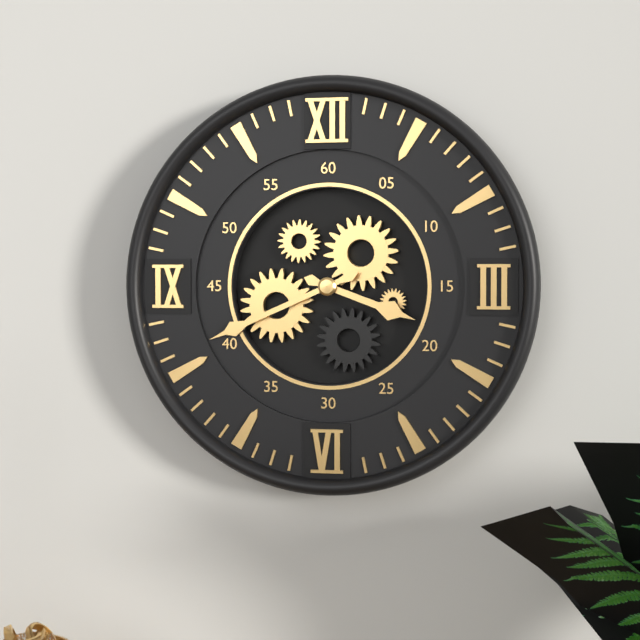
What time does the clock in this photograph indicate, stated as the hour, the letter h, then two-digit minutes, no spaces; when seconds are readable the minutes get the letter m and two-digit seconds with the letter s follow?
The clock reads 3h41
